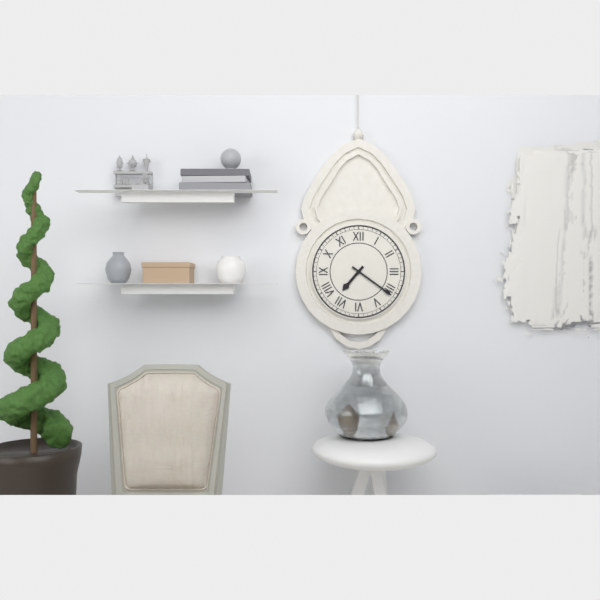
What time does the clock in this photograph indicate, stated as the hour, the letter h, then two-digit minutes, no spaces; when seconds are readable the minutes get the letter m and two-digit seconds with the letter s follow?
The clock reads 7h21
